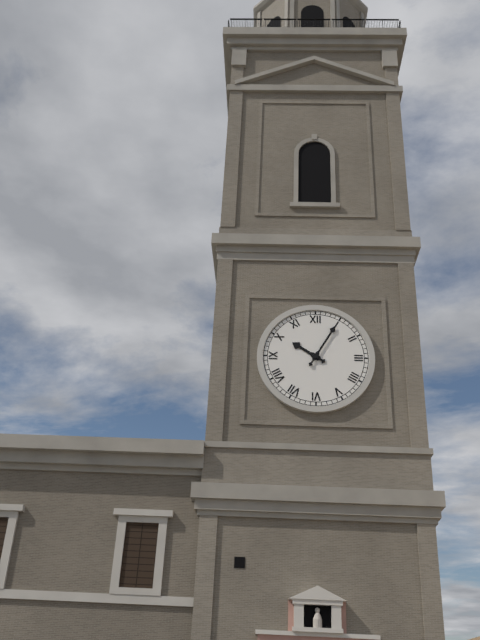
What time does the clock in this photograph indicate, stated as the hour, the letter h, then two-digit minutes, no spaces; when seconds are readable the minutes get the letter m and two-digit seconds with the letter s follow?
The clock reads 10h05
